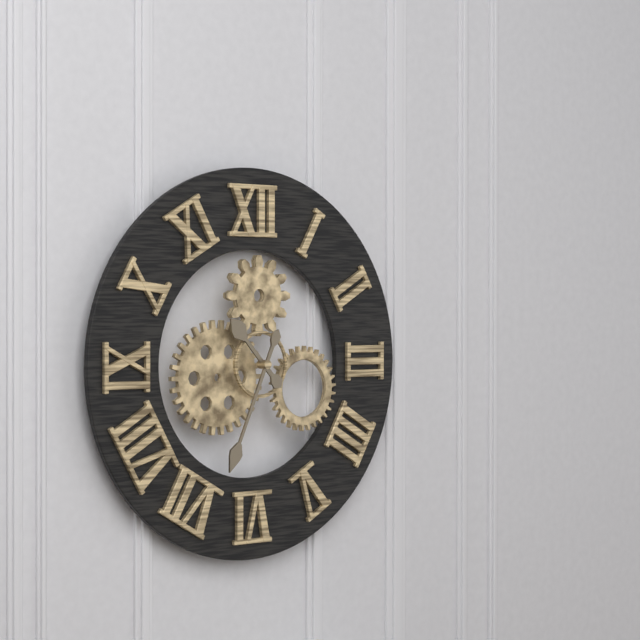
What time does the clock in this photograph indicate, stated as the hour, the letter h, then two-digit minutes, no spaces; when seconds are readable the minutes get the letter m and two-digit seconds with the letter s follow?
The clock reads 10h34
